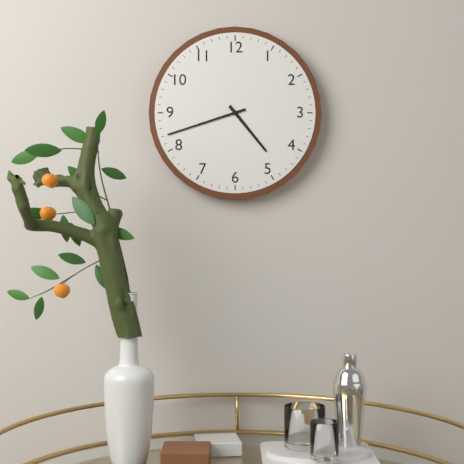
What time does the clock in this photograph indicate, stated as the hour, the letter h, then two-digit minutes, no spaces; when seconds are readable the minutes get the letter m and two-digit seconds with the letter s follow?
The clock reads 4h42
